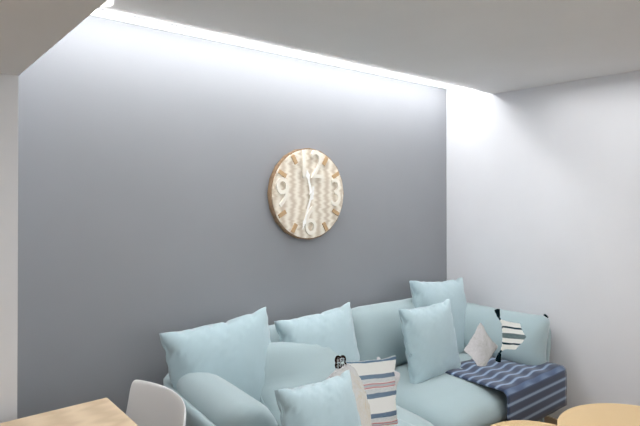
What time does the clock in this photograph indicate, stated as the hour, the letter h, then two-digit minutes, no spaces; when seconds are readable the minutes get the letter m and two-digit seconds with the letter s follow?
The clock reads 11h33
